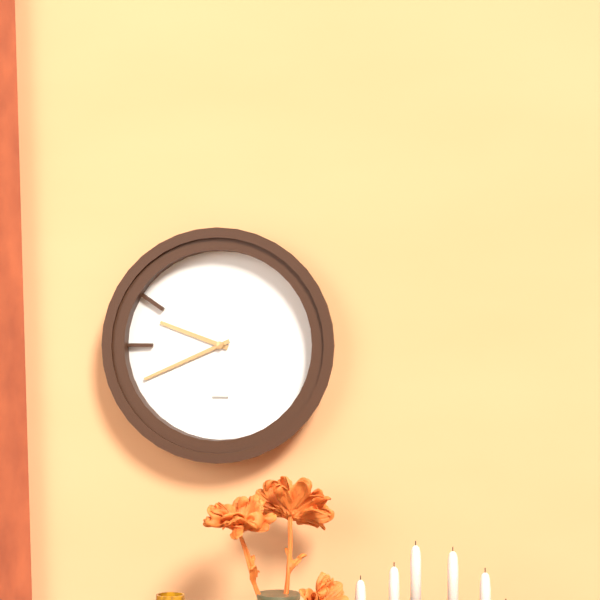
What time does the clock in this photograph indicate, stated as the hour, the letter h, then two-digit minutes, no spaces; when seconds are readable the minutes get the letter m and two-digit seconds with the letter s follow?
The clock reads 9h41
